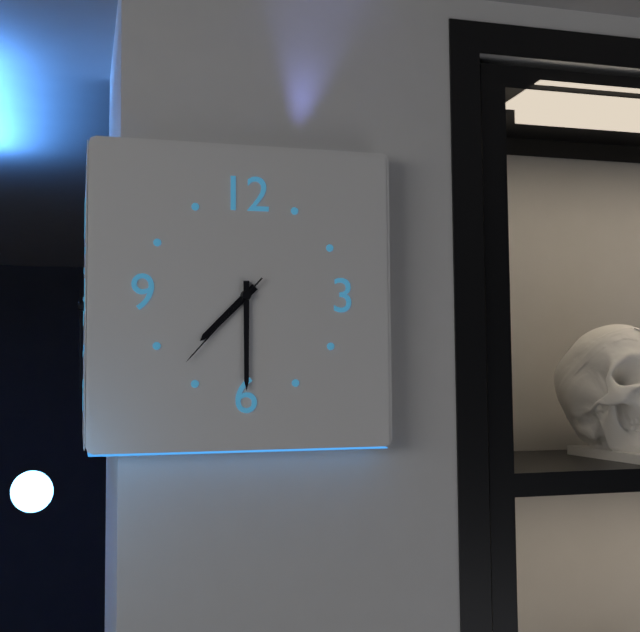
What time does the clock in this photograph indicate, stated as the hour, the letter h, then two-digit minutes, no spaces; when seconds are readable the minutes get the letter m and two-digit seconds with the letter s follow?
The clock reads 7h30m37s
